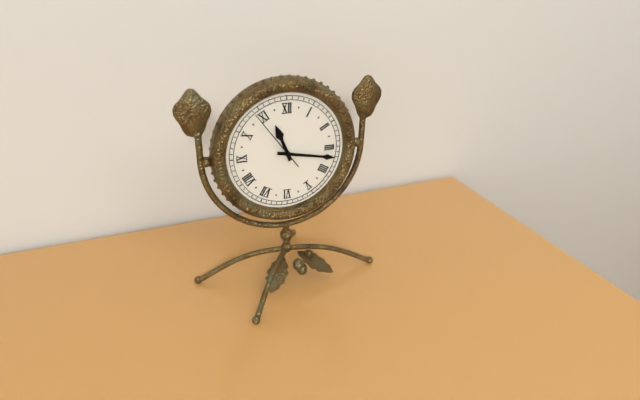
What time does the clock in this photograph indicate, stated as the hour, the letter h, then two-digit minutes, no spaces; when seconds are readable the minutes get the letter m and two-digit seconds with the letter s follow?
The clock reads 11h17m54s
